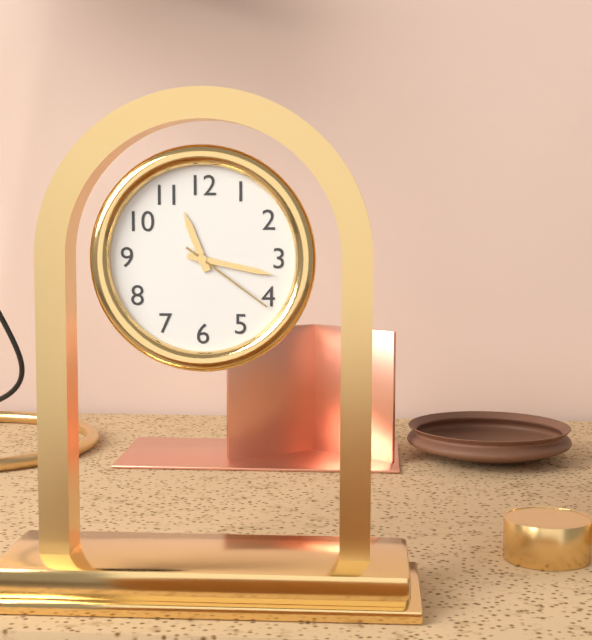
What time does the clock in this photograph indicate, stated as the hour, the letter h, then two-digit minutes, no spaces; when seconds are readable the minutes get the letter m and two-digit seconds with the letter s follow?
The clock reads 11h17m21s
